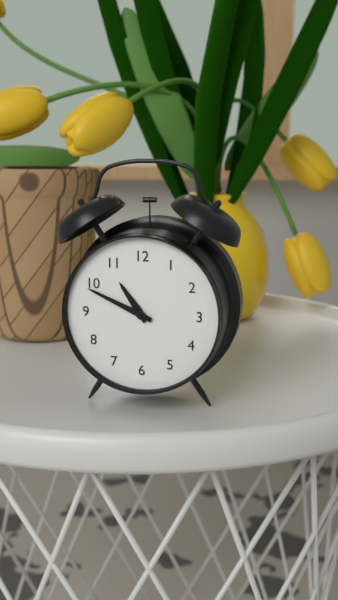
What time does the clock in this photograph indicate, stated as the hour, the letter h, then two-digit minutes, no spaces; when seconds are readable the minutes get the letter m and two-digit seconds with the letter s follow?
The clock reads 10h49
